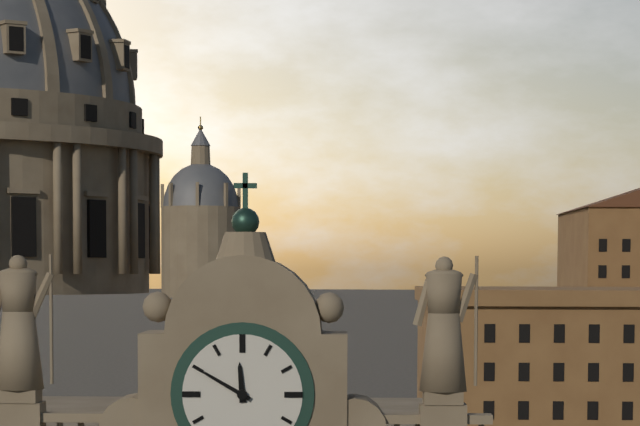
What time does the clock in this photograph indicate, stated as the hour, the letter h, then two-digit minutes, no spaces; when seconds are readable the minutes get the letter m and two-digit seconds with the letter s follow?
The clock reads 11h50
